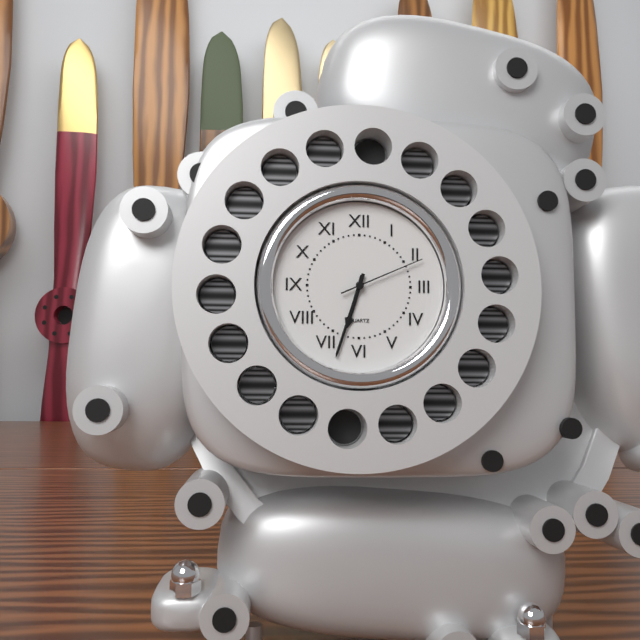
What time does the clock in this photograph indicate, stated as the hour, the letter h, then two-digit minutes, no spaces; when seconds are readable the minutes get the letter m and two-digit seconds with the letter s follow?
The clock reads 6h33m11s
